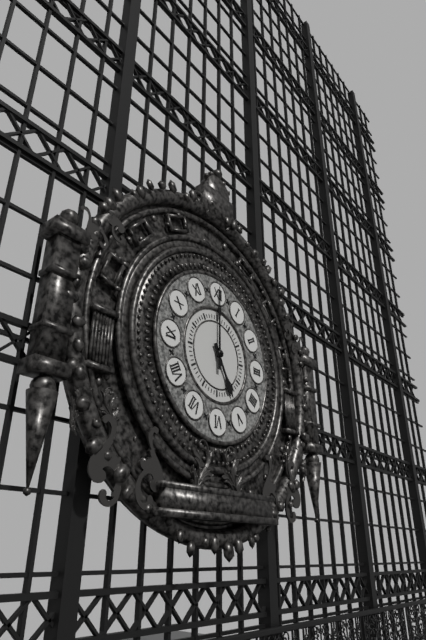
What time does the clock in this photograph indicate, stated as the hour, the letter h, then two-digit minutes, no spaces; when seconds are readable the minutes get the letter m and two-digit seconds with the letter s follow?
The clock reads 5h00
